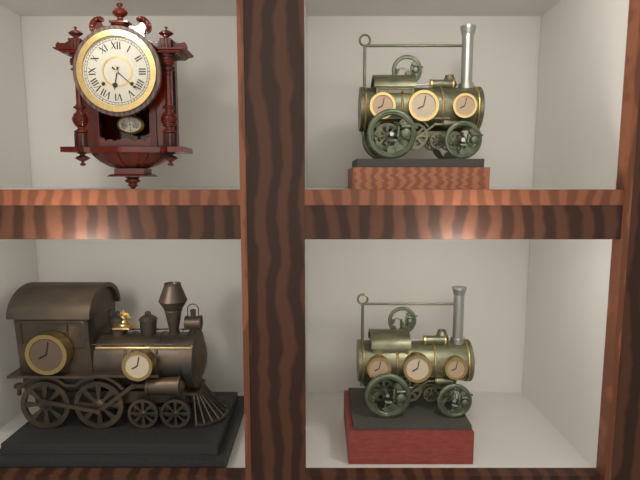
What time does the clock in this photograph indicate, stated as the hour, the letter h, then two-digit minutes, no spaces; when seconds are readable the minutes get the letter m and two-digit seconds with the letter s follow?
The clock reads 6h22
